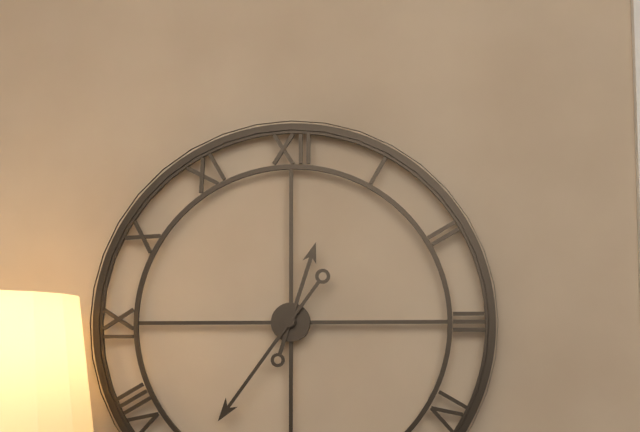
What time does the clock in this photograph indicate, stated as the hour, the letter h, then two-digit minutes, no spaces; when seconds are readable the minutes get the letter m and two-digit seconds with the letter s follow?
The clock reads 12h36
